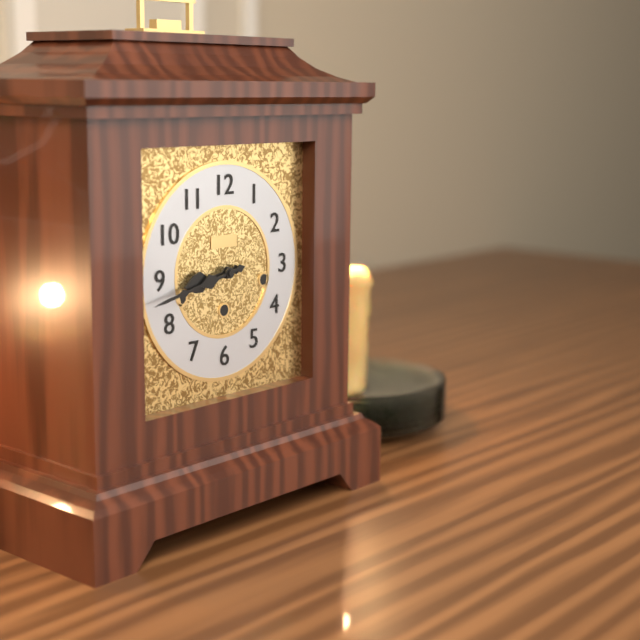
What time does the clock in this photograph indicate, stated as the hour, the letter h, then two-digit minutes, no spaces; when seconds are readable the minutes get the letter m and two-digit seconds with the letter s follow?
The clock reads 8h43
